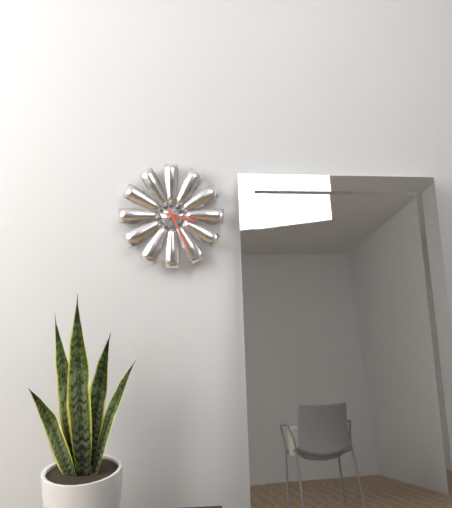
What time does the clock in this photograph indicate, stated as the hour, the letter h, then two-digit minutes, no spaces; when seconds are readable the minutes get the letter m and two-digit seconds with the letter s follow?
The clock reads 3h26
